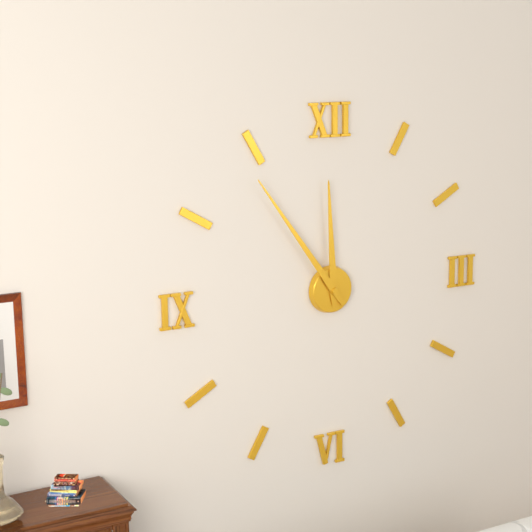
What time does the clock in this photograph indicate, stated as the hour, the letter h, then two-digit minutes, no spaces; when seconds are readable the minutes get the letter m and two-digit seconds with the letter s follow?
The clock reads 11h54
